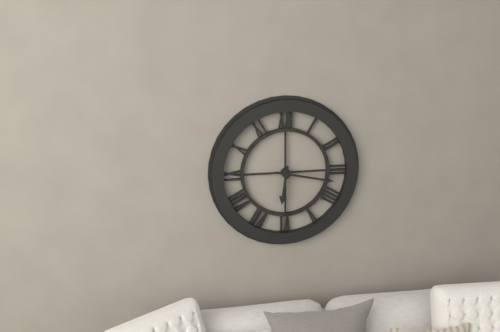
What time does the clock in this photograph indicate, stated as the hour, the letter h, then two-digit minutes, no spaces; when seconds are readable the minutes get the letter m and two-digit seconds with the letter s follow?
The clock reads 6h17
